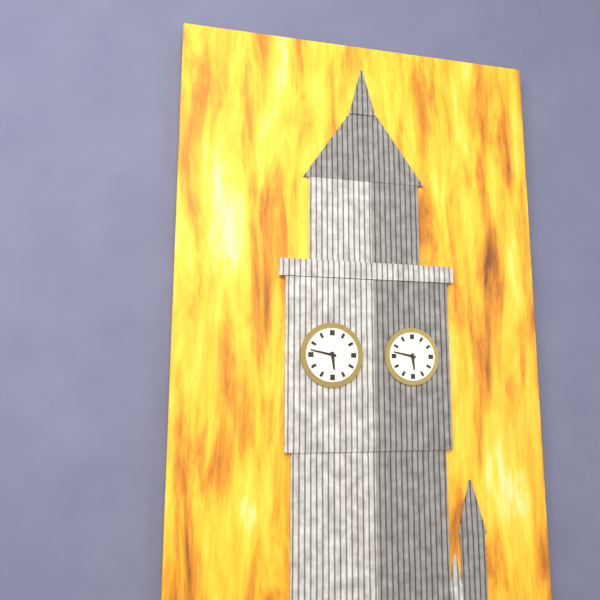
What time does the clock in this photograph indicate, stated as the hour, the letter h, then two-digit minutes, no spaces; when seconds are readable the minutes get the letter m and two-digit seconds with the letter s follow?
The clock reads 5h47
